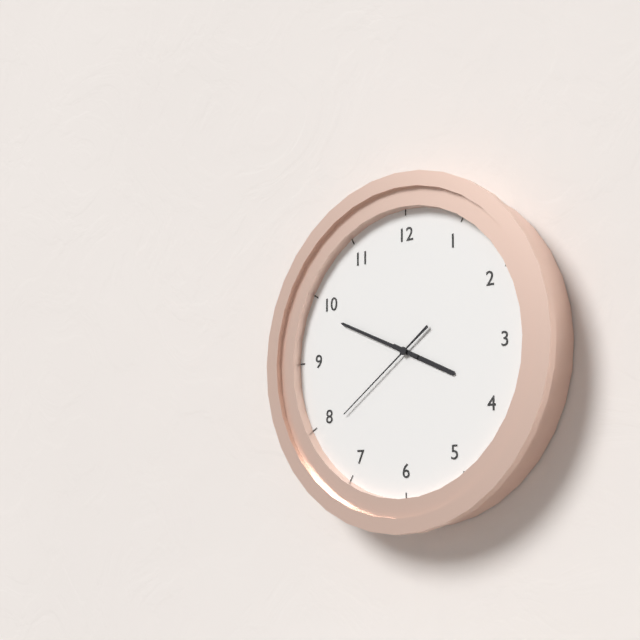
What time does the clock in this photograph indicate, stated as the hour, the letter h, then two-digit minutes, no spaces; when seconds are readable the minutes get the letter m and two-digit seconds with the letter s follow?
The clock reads 3h49m39s
